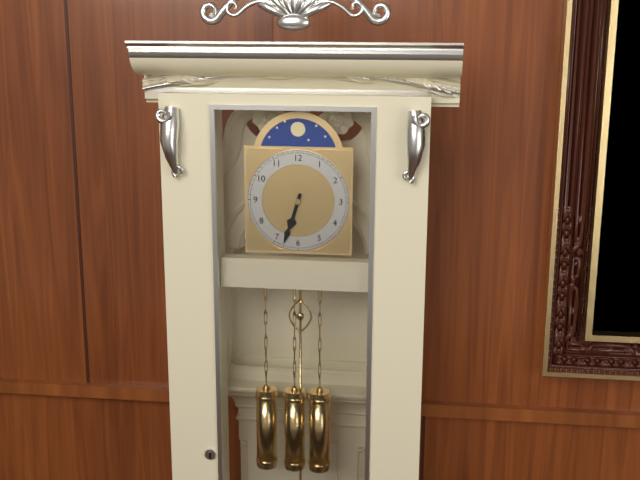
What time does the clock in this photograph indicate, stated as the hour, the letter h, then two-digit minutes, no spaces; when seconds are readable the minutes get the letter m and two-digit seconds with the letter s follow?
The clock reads 6h33
